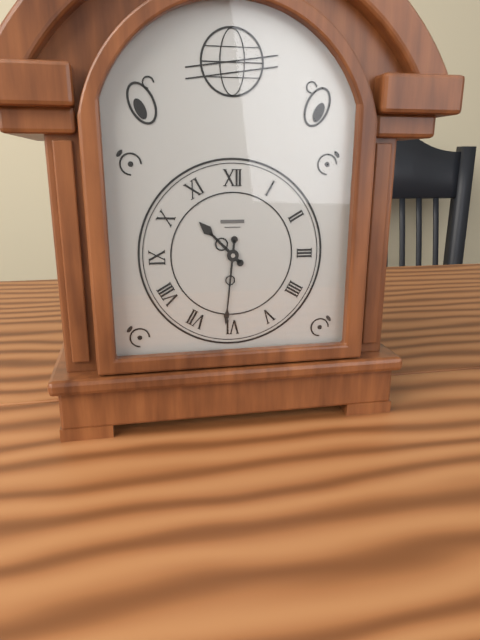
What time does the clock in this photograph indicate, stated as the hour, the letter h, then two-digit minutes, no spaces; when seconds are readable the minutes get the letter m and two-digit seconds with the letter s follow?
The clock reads 10h31
